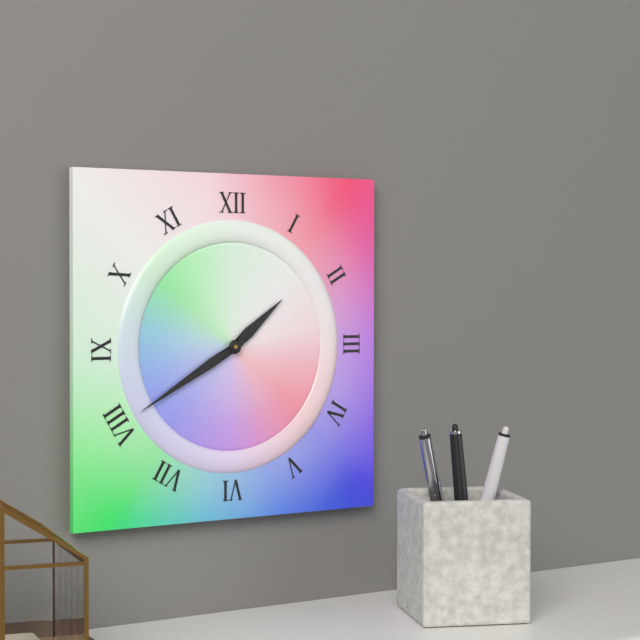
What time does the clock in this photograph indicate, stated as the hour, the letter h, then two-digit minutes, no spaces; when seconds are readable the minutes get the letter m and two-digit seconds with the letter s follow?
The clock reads 1h40
